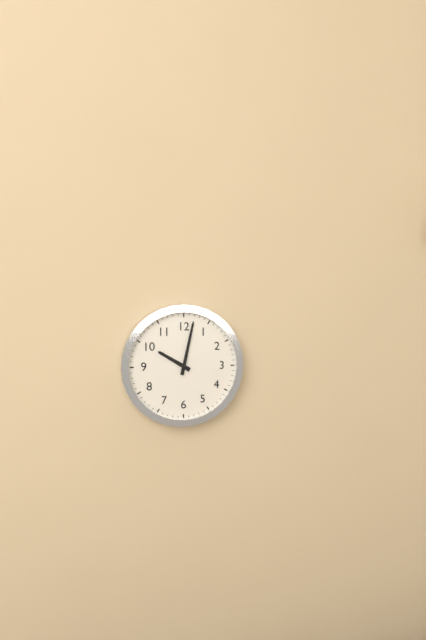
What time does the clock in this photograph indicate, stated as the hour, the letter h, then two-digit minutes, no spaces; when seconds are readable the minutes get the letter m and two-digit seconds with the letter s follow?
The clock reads 10h02
